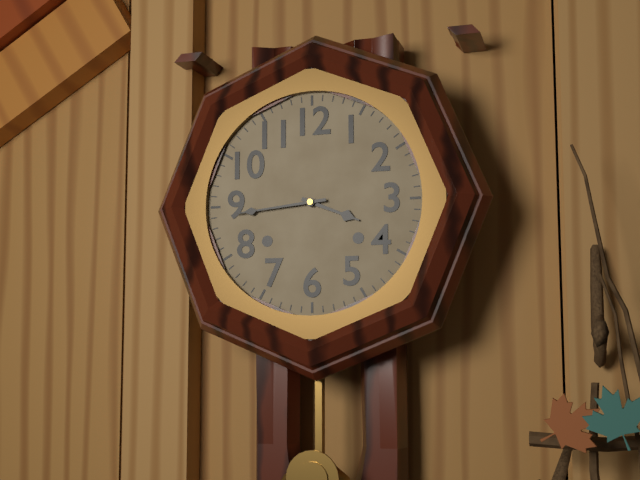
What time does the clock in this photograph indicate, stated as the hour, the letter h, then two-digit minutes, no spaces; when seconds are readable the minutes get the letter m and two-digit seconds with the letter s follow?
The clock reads 3h44
